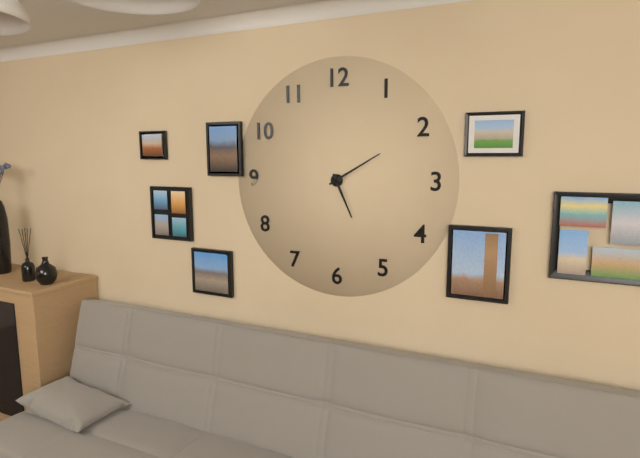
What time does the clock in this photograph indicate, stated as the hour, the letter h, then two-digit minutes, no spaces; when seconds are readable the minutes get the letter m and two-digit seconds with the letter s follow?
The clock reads 5h10
